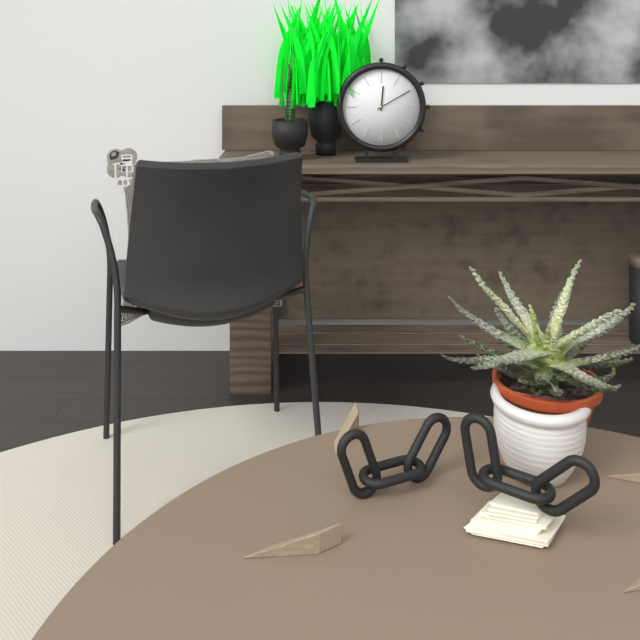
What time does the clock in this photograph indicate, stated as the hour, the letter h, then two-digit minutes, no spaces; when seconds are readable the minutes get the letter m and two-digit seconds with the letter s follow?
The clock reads 12h10
